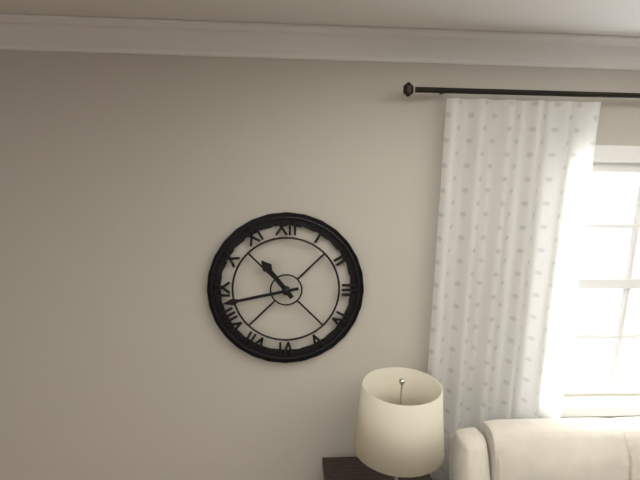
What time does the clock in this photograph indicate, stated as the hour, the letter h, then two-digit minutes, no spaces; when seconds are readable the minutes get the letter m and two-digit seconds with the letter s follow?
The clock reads 10h43
